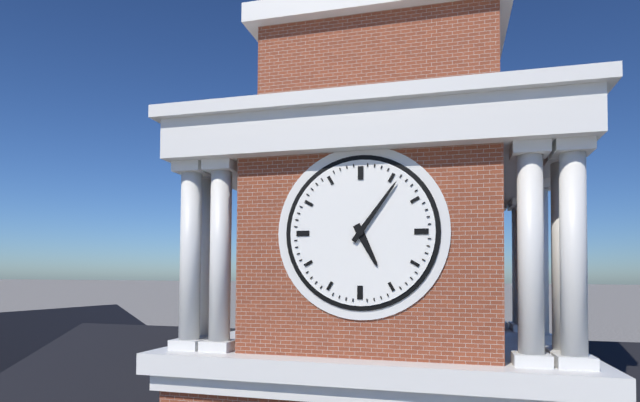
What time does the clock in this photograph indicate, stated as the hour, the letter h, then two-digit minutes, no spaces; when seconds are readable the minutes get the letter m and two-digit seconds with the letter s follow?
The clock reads 5h06
